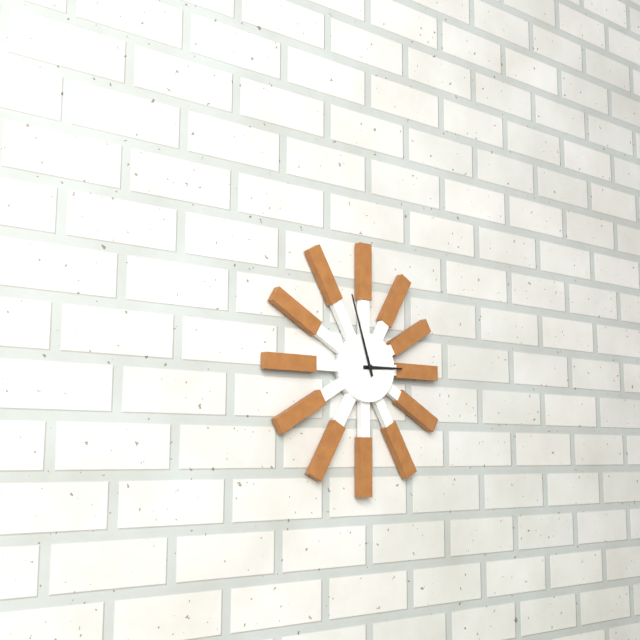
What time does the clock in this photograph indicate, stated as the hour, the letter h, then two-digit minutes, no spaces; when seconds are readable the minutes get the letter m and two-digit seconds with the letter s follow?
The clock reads 2h57
